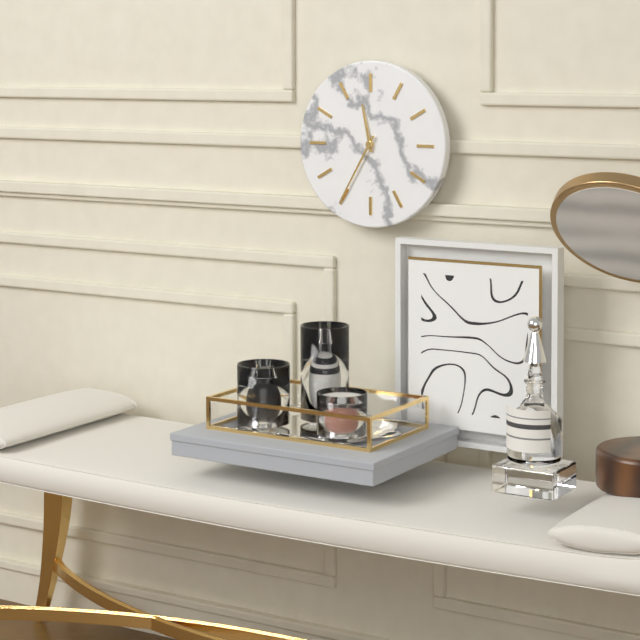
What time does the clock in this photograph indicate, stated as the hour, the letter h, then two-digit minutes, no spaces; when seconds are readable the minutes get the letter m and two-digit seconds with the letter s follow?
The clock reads 11h35
